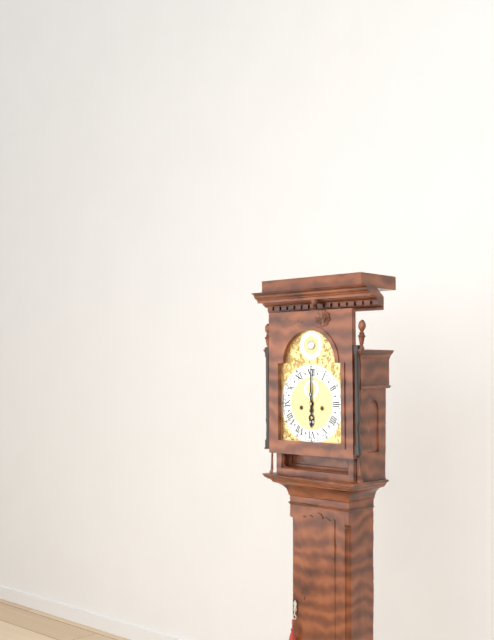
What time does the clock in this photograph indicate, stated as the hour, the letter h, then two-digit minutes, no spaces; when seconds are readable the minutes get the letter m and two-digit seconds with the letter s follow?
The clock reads 6h00
